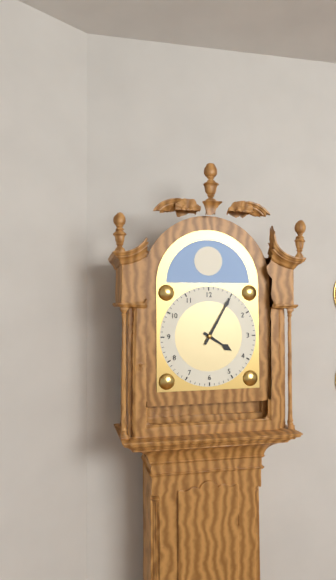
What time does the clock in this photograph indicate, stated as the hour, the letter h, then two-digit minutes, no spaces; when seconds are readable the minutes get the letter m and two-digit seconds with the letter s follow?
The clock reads 4h05
